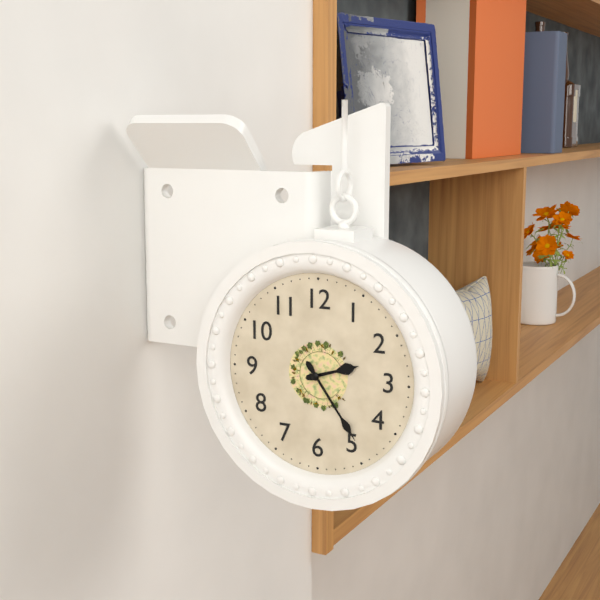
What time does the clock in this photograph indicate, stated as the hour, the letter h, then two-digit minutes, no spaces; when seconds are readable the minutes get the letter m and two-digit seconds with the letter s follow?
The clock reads 2h24
